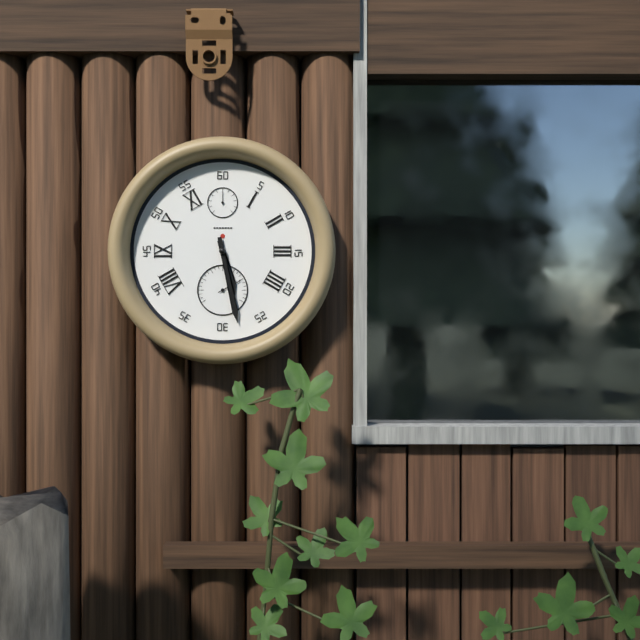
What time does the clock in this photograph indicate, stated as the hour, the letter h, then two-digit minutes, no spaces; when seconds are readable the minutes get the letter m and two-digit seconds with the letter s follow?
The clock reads 5h28
